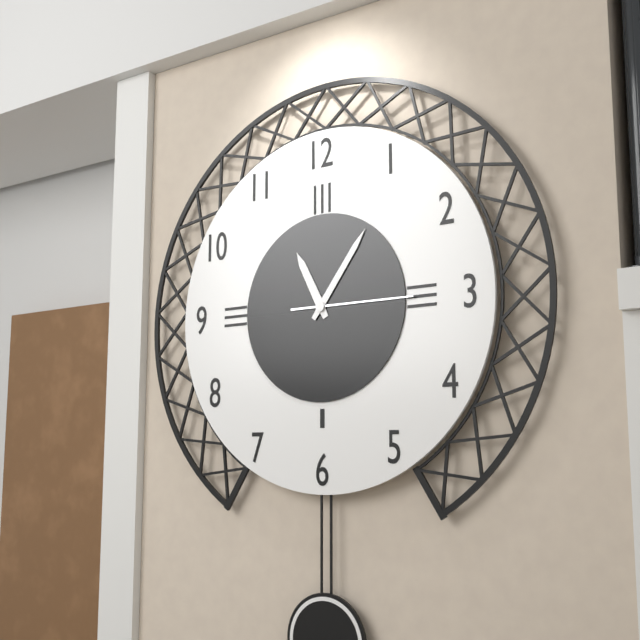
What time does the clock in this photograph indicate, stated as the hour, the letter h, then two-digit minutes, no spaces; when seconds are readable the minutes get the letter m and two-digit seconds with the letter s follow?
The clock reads 11h06m15s
